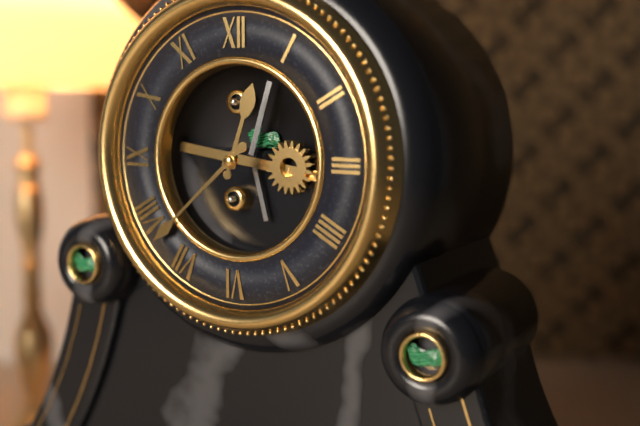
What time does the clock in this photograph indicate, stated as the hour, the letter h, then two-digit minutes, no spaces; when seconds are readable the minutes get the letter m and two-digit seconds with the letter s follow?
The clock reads 12h38
